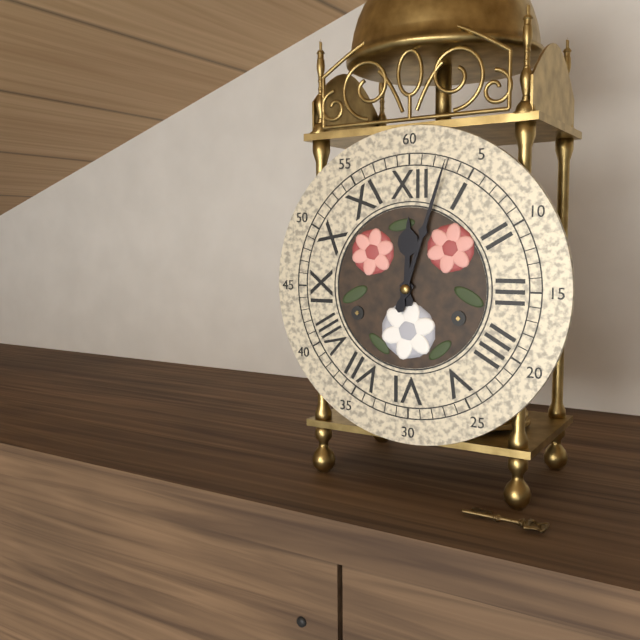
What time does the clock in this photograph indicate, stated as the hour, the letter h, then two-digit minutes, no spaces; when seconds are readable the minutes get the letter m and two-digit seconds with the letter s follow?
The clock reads 12h03
